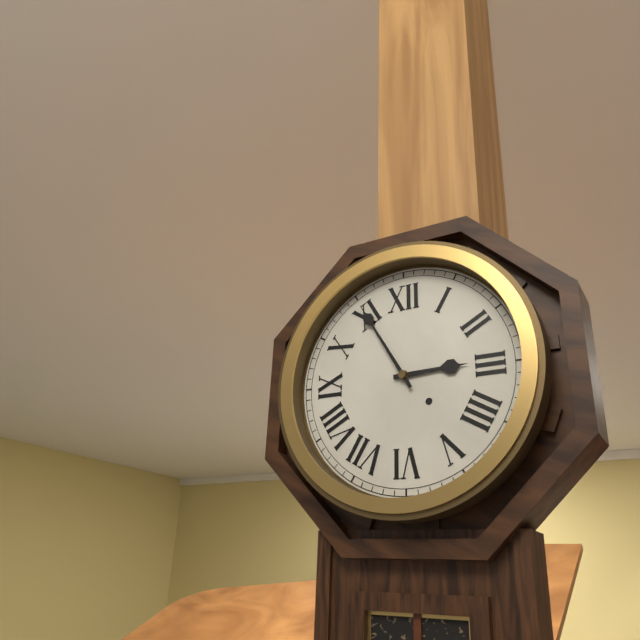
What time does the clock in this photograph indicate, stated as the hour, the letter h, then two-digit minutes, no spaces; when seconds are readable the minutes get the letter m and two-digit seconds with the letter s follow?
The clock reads 2h55
